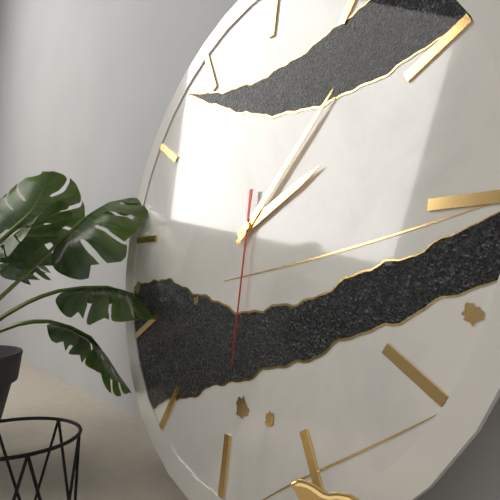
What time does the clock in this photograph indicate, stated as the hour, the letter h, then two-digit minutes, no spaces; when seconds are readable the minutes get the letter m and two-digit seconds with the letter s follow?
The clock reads 2h07m30s
